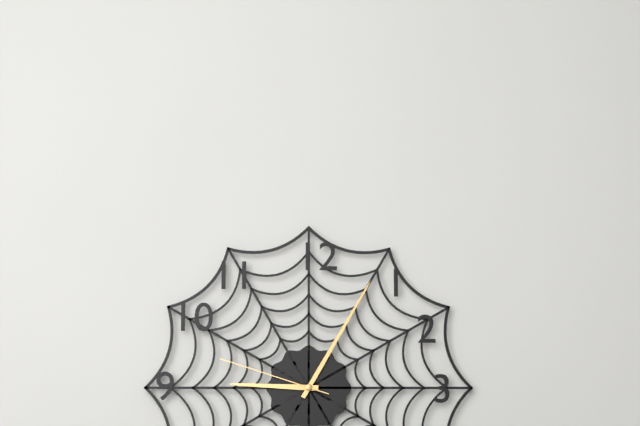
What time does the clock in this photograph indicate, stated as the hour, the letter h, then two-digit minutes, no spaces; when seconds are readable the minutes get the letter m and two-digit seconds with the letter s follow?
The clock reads 9h05m48s
